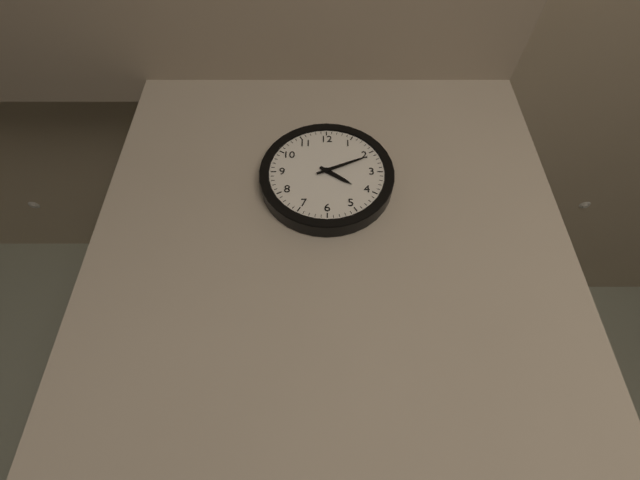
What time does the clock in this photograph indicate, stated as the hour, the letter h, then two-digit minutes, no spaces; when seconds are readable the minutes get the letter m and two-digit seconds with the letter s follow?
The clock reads 4h11
